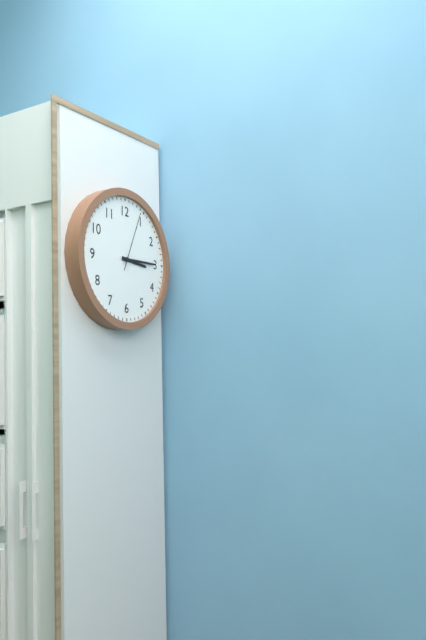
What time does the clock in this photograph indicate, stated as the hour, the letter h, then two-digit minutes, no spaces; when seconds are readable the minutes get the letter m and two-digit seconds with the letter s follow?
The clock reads 3h15m04s
